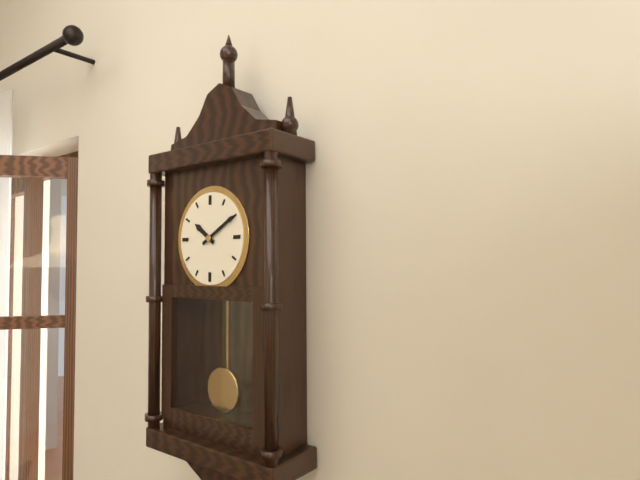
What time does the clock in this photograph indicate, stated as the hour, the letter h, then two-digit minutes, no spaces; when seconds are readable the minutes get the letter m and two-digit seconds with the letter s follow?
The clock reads 10h10
